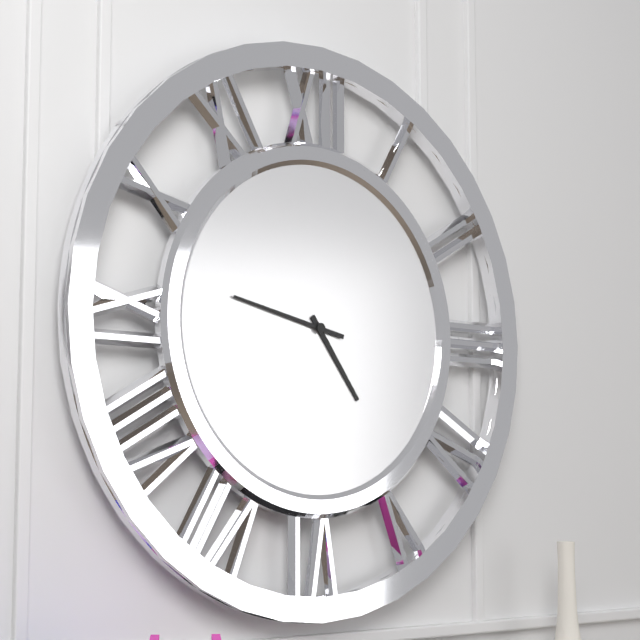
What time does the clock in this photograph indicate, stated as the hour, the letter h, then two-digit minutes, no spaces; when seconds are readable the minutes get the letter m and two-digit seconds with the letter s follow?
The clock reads 4h47
